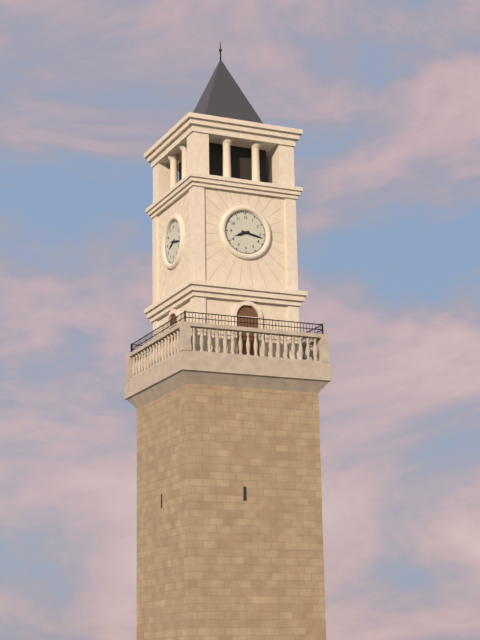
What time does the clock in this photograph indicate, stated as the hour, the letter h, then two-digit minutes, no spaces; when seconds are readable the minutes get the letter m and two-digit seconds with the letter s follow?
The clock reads 8h17
